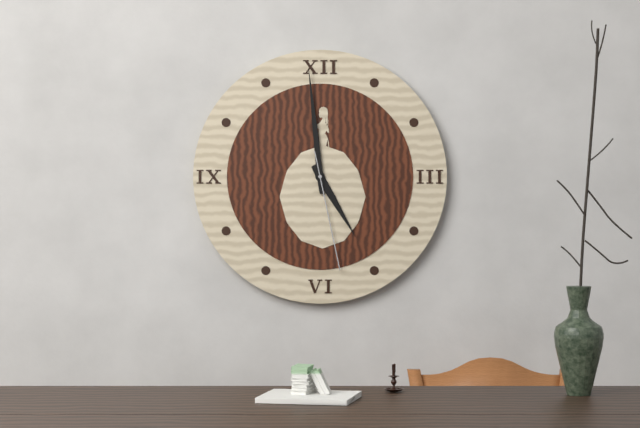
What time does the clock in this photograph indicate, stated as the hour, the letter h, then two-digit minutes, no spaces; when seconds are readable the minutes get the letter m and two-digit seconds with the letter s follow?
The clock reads 4h59m28s
